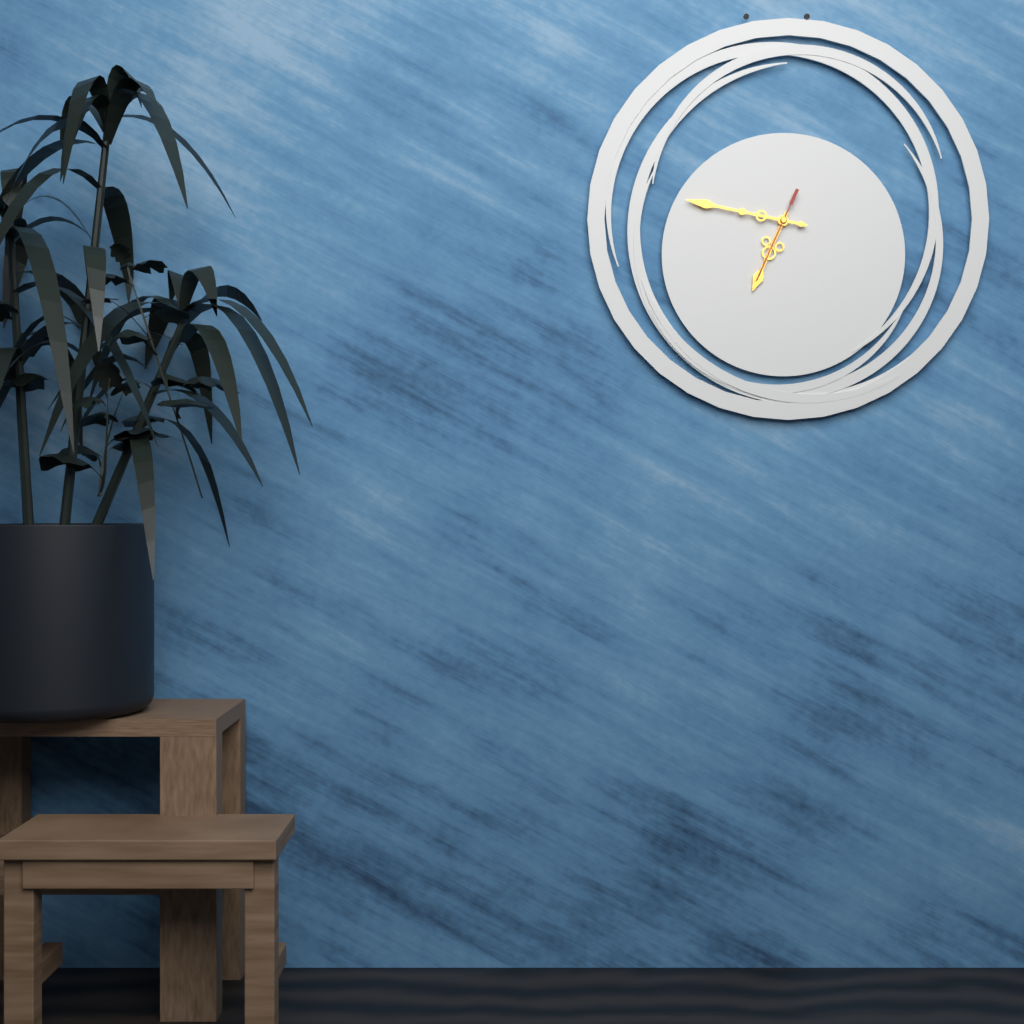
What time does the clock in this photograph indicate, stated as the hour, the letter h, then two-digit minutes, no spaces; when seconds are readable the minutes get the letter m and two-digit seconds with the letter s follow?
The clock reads 6h47m34s
